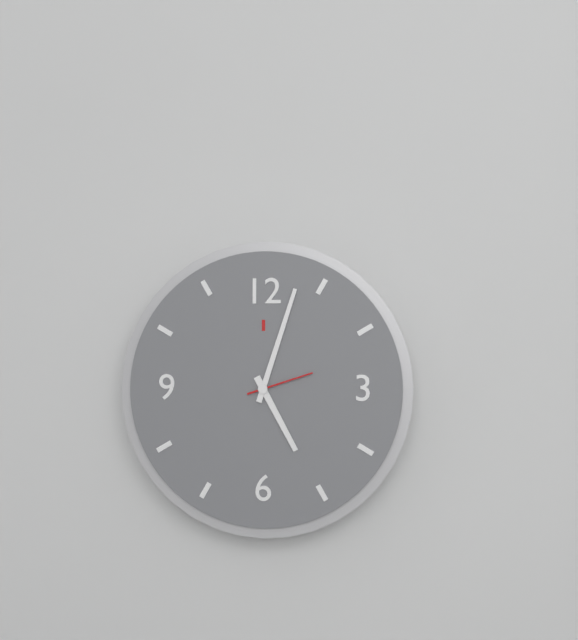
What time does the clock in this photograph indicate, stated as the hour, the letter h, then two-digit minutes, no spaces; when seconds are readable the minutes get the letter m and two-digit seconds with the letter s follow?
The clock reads 5h03m12s
